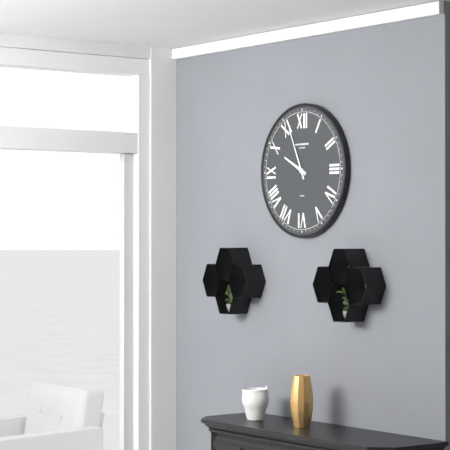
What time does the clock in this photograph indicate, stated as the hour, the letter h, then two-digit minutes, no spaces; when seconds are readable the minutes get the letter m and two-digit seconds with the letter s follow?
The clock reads 9h56
